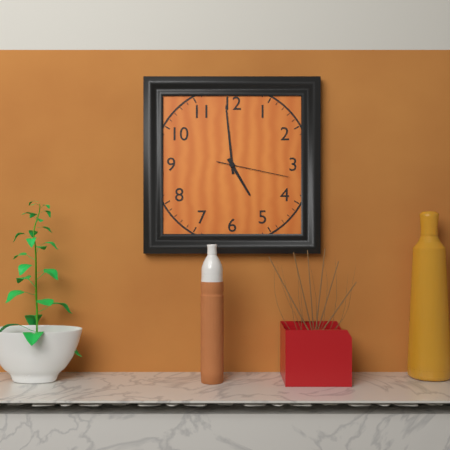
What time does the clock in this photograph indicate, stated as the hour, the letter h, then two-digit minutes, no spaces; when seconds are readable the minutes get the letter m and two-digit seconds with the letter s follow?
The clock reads 4h59m17s
